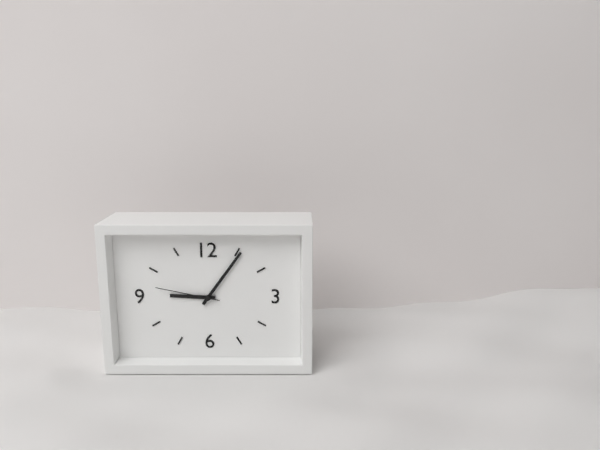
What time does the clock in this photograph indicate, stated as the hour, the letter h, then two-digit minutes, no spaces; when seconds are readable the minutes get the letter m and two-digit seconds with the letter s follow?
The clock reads 9h06m47s
